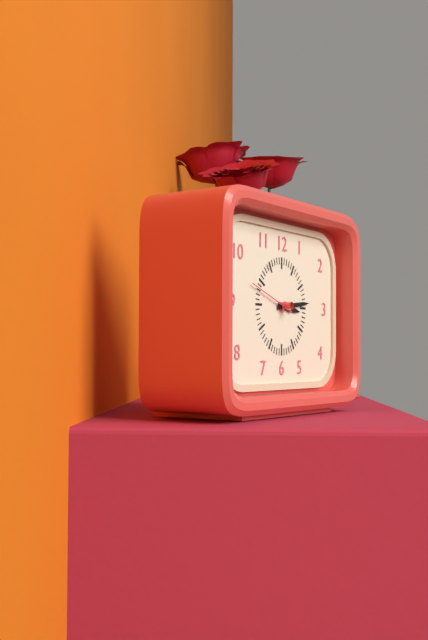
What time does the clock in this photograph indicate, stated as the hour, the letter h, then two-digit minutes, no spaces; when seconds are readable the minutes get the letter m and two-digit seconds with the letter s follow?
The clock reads 3h14
